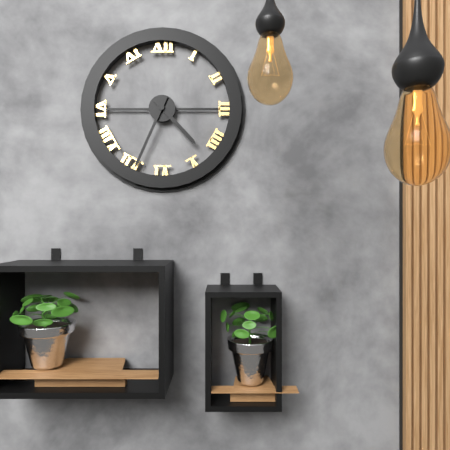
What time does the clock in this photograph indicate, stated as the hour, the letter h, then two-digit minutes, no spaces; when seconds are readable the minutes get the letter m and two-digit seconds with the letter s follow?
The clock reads 4h34
